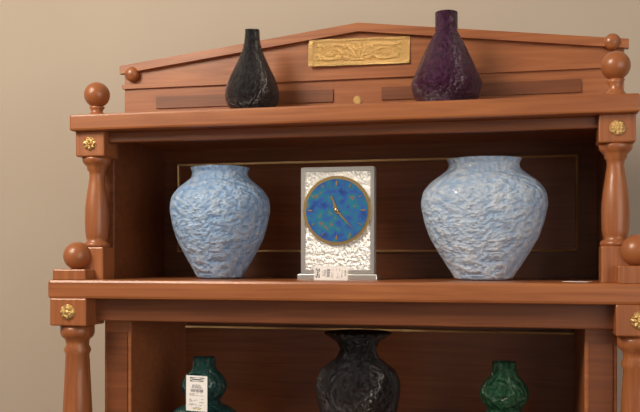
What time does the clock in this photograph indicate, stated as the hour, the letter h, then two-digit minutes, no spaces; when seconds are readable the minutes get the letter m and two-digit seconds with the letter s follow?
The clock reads 11h23
